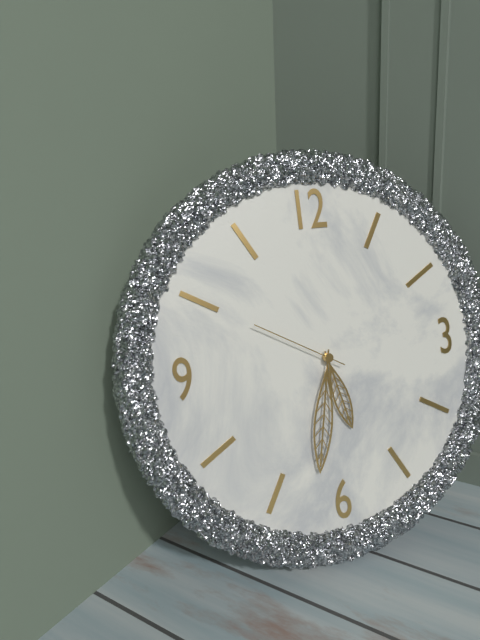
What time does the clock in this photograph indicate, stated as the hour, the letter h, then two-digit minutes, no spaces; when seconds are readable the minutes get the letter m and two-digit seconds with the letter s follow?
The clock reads 5h32m50s
